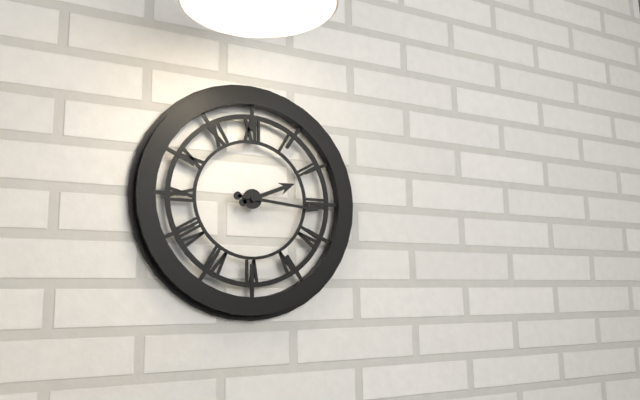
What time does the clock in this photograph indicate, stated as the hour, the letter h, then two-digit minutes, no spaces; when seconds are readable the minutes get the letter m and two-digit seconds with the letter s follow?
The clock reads 2h16
